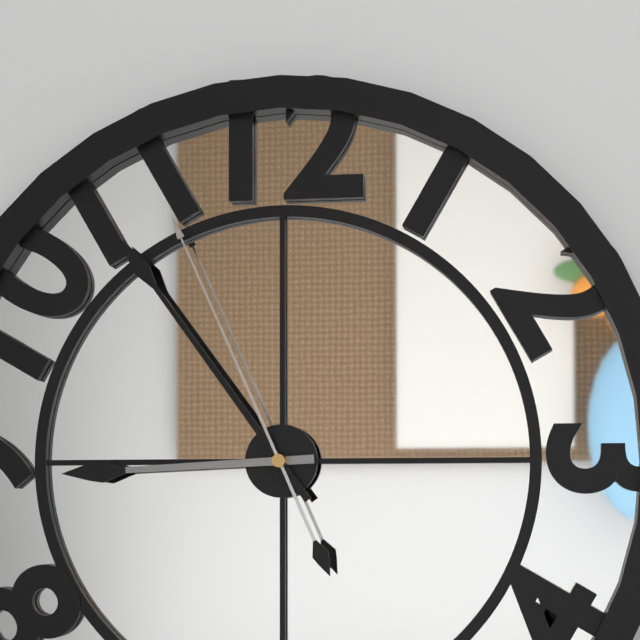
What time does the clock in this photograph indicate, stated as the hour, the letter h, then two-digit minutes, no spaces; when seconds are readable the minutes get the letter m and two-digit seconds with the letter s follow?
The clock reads 8h54m56s
